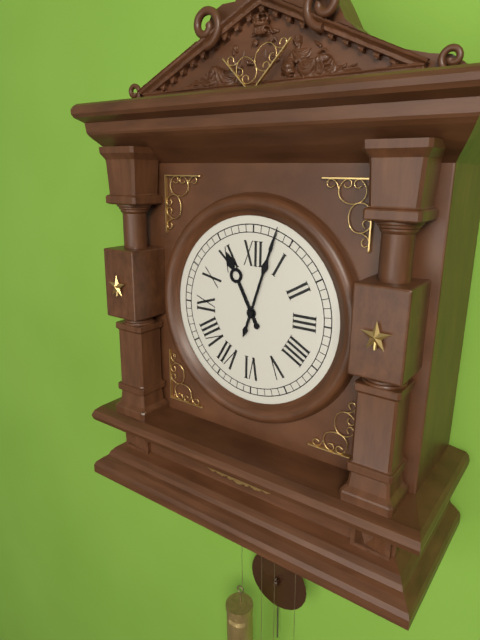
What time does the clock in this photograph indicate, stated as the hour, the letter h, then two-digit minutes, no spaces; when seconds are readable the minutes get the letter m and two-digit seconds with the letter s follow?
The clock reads 11h03
